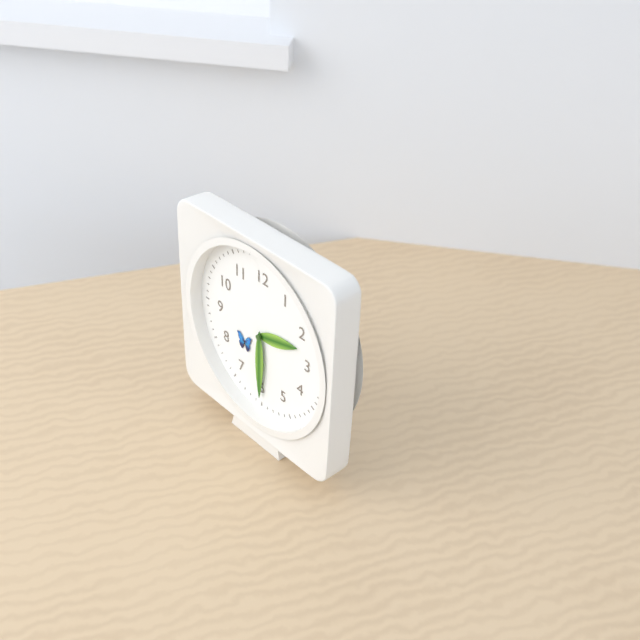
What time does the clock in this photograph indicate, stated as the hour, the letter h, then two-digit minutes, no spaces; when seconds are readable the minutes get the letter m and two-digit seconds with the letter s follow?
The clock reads 2h30
